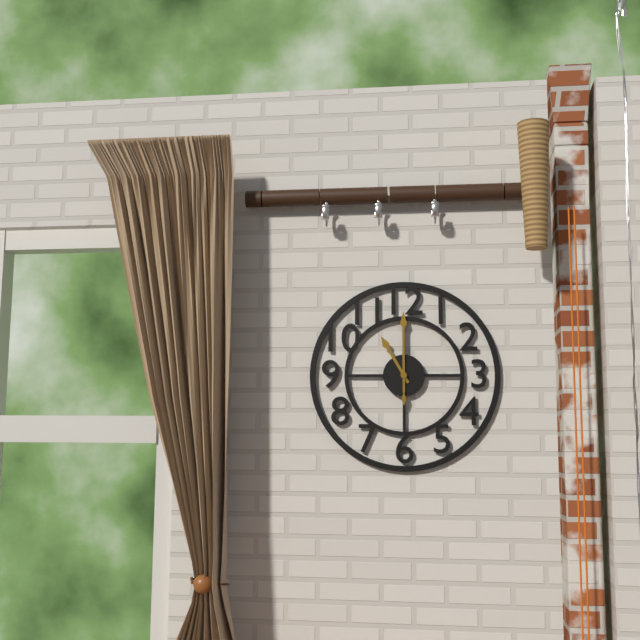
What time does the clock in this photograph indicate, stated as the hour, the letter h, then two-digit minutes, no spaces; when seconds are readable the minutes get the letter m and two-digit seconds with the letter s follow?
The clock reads 11h00
